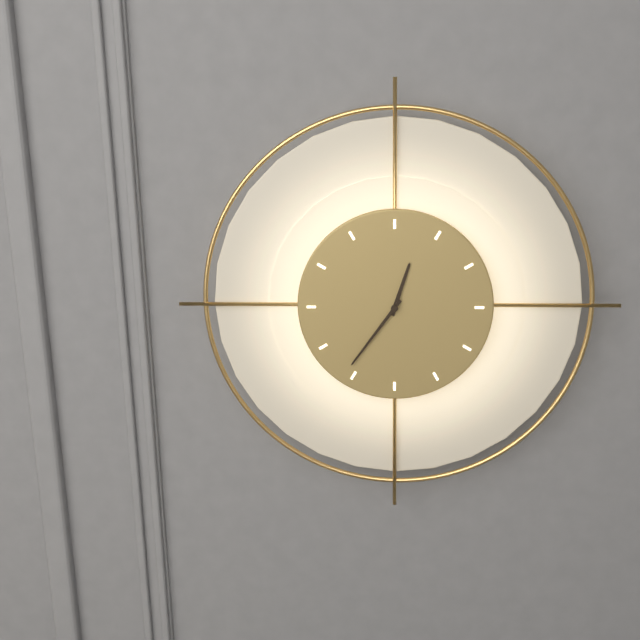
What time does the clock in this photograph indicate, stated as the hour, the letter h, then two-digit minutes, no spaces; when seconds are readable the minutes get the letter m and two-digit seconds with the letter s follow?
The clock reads 12h36
